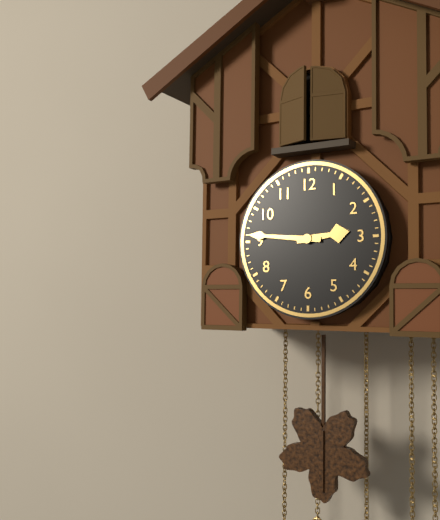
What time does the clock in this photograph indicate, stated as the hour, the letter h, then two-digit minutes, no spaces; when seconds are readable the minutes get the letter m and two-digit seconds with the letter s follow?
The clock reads 2h46
